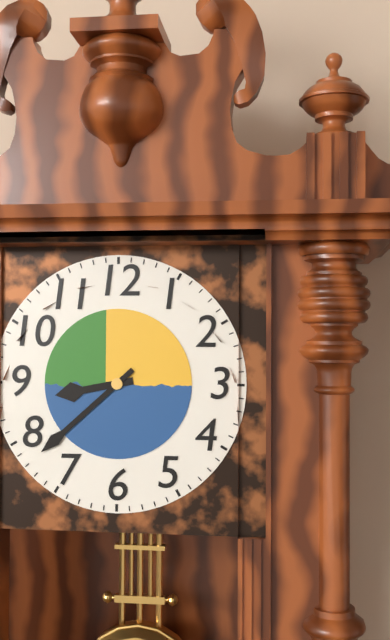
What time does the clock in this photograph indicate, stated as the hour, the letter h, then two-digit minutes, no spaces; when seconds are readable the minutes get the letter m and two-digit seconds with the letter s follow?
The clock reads 8h38
